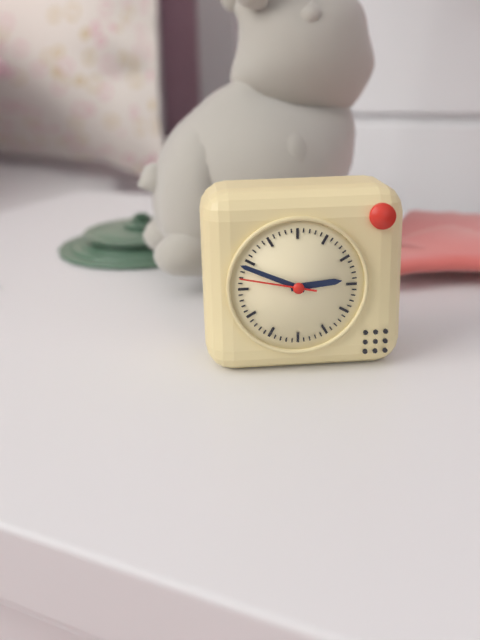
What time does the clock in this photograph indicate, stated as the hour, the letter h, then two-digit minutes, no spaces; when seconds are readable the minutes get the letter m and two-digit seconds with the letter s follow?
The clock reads 2h49m47s
